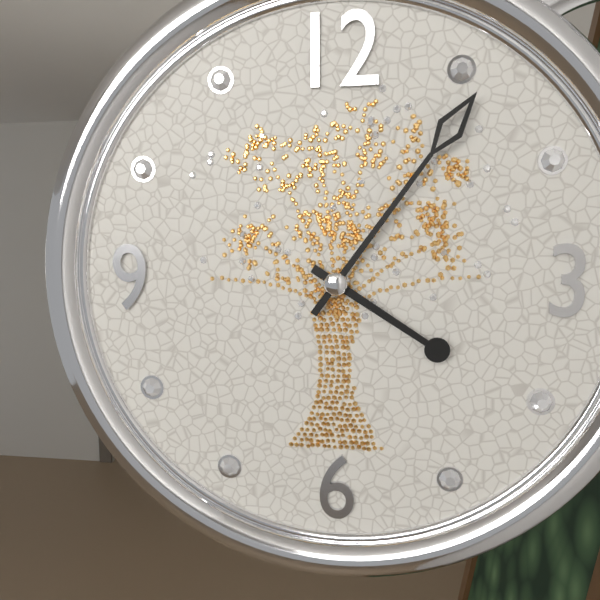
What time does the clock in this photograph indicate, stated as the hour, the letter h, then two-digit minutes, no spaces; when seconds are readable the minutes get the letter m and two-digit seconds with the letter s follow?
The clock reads 4h06
